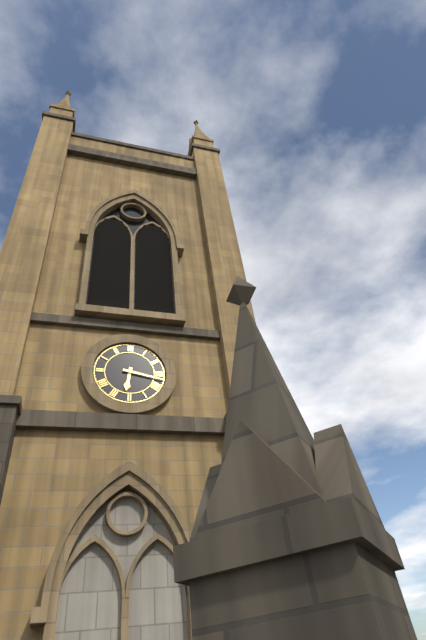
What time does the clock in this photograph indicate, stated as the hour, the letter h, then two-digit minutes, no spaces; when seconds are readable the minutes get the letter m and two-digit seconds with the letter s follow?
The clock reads 6h17
